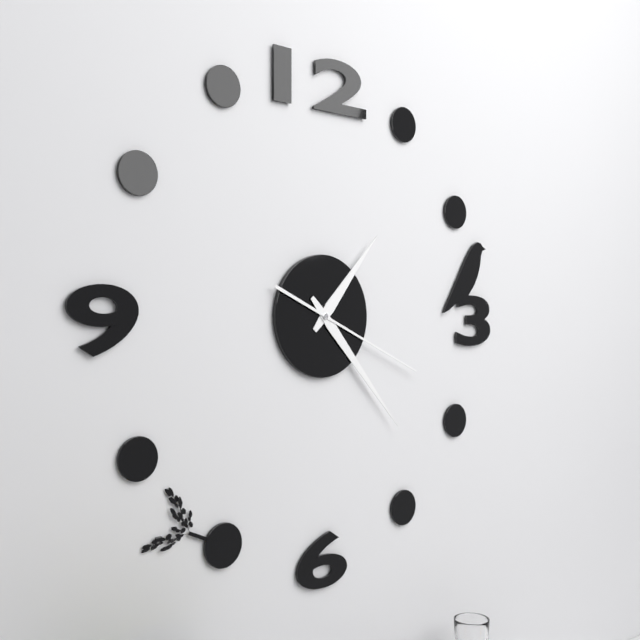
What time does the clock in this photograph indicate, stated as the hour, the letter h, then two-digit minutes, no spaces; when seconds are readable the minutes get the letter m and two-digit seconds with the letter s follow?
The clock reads 1h23m19s
